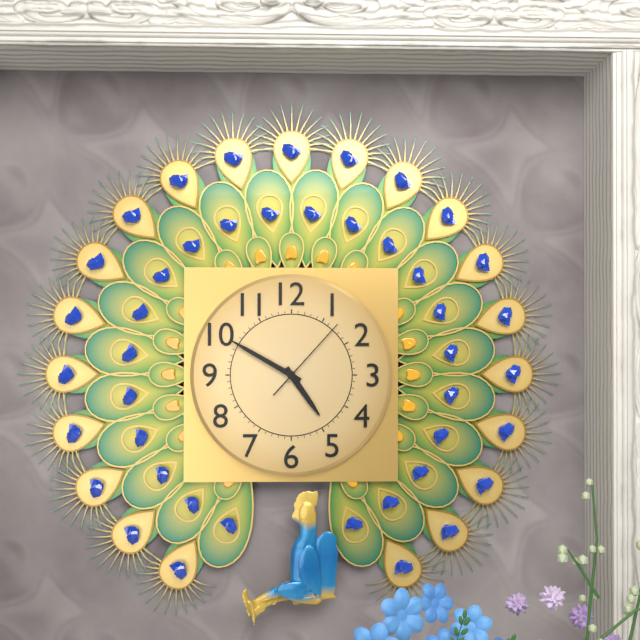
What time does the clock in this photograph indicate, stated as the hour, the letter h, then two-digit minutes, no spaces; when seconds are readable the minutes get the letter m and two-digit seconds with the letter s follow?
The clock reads 4h50m07s
